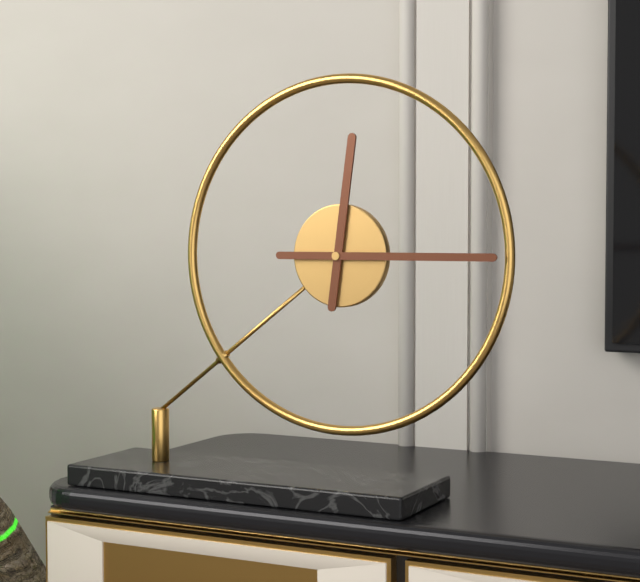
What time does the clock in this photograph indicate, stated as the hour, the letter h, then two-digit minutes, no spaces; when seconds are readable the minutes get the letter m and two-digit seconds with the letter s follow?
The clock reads 12h15
